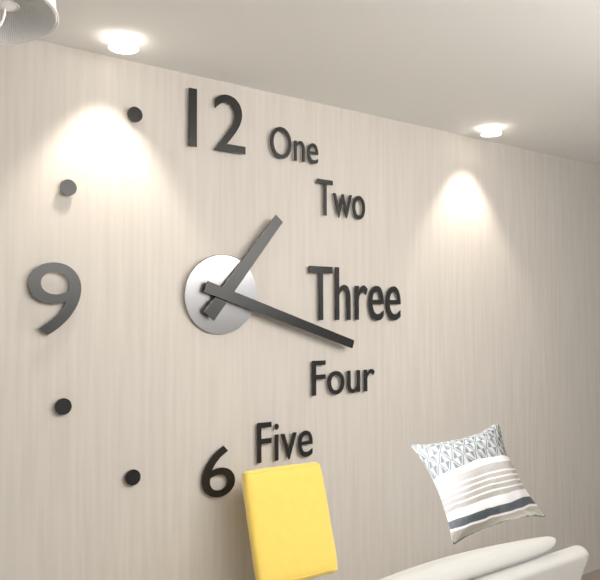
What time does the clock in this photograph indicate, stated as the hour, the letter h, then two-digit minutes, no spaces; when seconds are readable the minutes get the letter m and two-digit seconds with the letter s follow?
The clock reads 1h18
